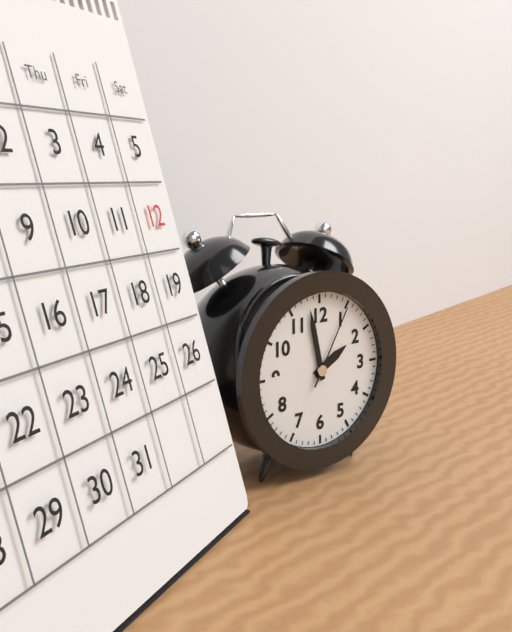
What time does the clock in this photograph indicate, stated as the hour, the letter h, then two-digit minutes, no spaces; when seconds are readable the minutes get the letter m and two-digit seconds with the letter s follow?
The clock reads 1h58m05s
